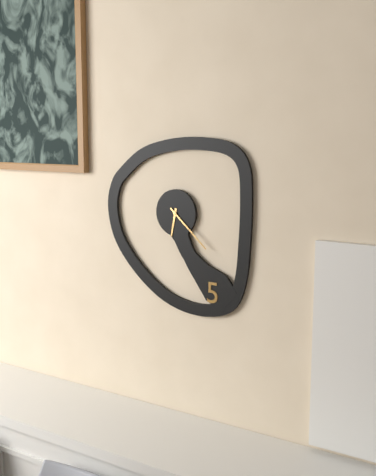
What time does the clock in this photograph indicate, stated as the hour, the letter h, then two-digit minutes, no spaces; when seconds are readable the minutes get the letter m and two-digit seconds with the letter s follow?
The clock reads 6h22
